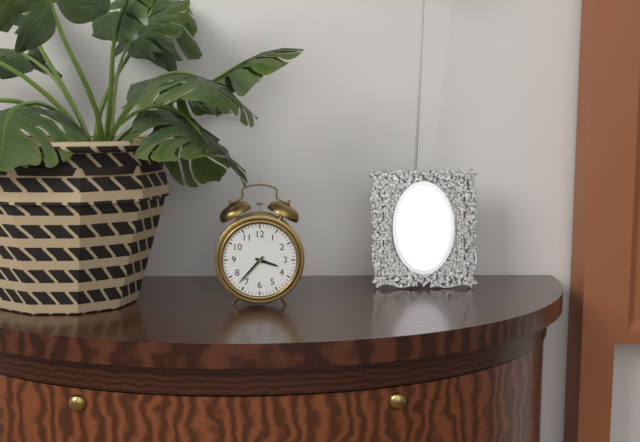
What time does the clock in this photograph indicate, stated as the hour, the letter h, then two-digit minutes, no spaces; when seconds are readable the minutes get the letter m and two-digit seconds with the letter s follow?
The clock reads 3h37
